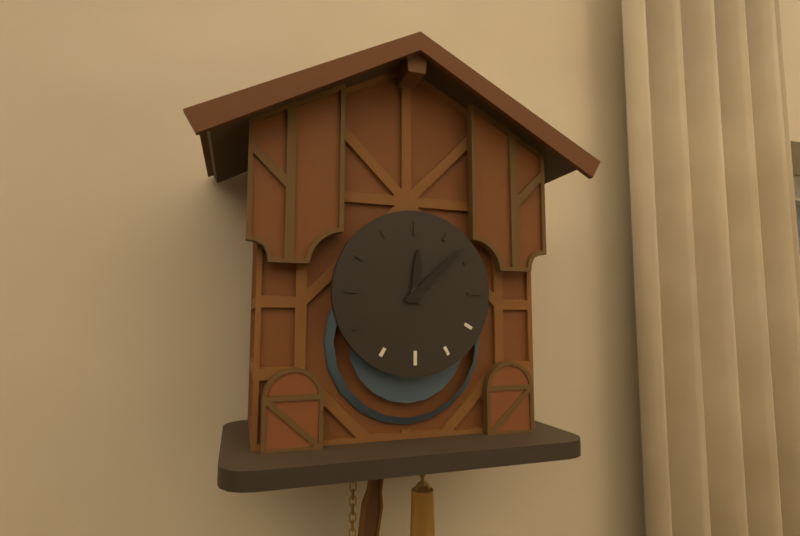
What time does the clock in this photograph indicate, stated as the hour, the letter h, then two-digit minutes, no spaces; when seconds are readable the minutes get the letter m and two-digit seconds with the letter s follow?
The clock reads 12h08
